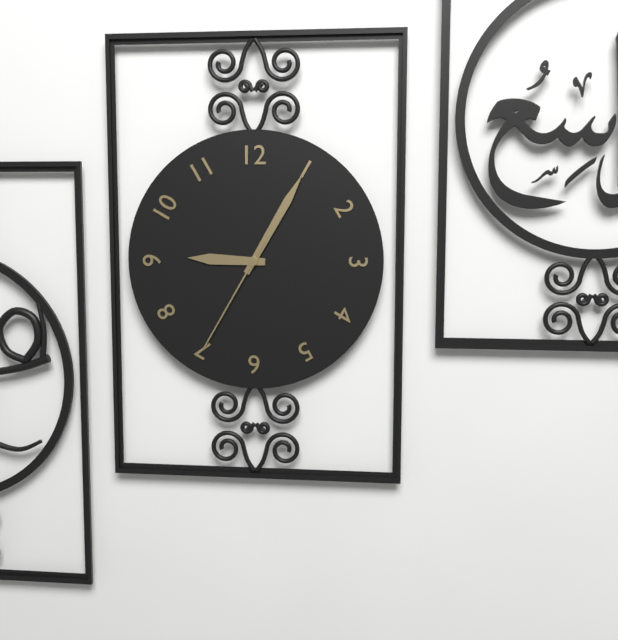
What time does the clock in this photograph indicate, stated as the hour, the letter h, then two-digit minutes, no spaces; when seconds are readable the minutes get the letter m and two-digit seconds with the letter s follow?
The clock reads 9h05m35s
